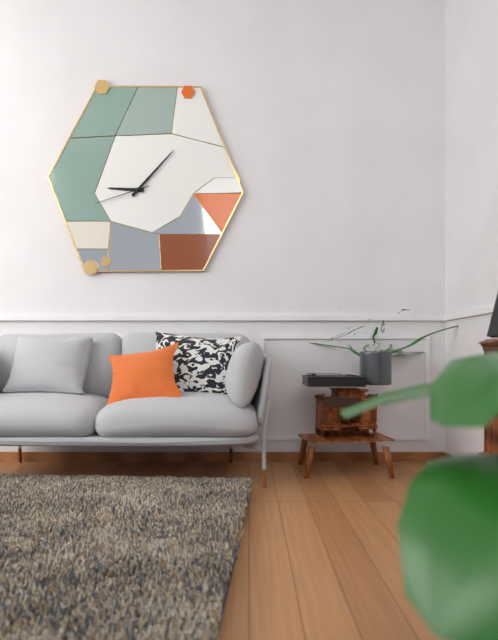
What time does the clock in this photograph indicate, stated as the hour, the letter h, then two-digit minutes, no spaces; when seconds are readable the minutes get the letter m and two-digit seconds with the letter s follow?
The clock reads 9h07m42s
